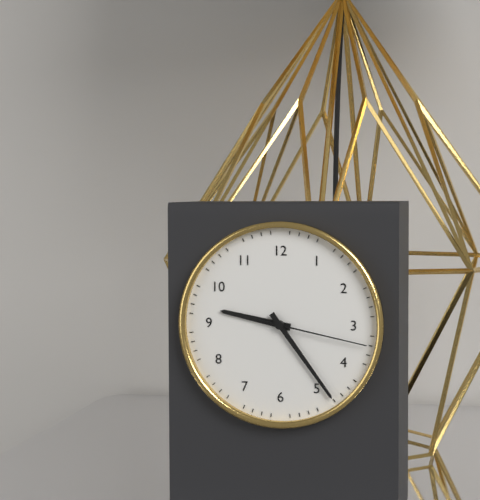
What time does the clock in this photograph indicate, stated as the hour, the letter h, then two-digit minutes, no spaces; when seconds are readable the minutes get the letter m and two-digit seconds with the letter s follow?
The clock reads 9h24m17s
